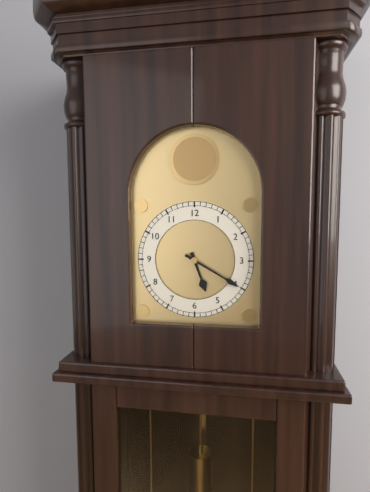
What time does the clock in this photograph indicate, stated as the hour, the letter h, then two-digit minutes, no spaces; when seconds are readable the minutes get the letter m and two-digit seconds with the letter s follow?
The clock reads 5h20
